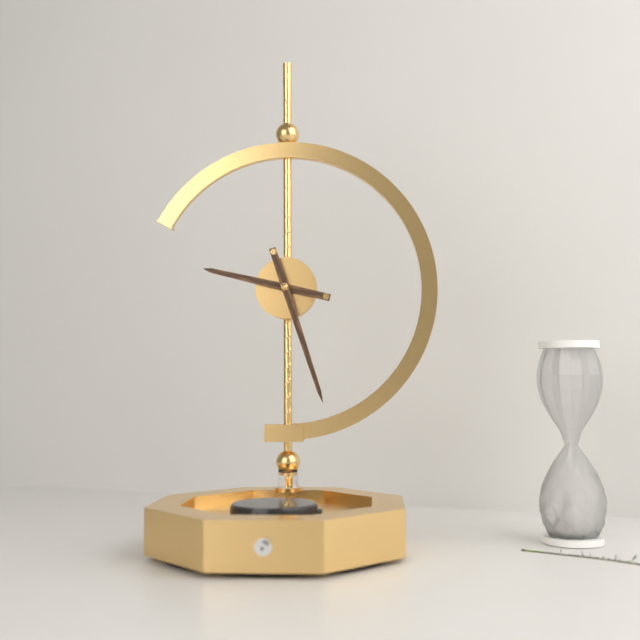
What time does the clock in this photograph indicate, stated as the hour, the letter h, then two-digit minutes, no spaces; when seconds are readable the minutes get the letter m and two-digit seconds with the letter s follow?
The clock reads 9h27
